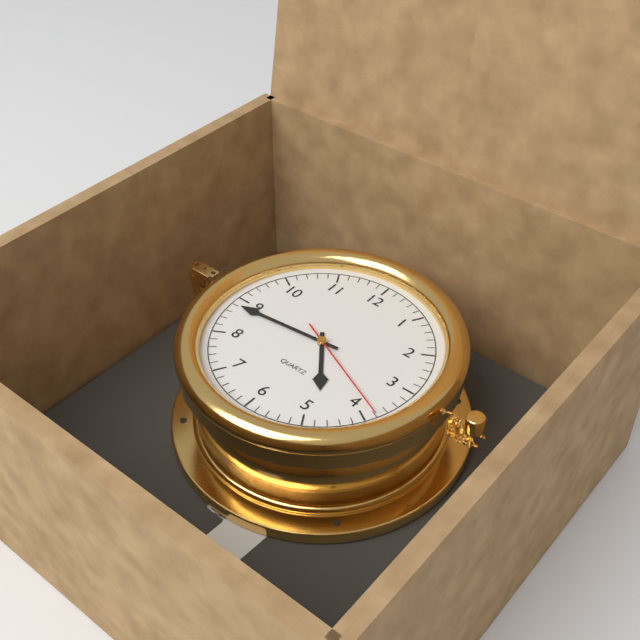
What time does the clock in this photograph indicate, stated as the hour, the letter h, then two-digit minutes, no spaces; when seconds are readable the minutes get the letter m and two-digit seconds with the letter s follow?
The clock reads 4h44m19s
